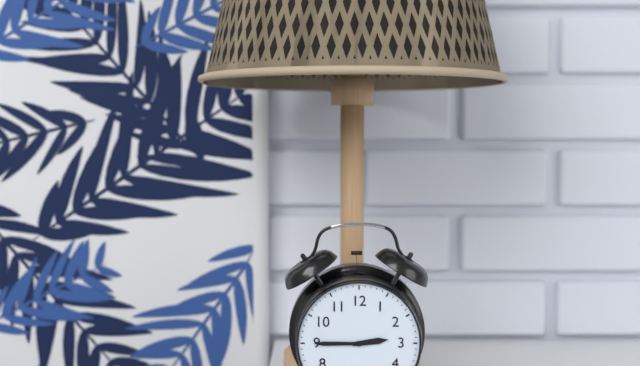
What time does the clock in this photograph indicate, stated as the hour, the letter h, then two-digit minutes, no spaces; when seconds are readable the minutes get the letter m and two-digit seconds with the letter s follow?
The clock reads 2h45
